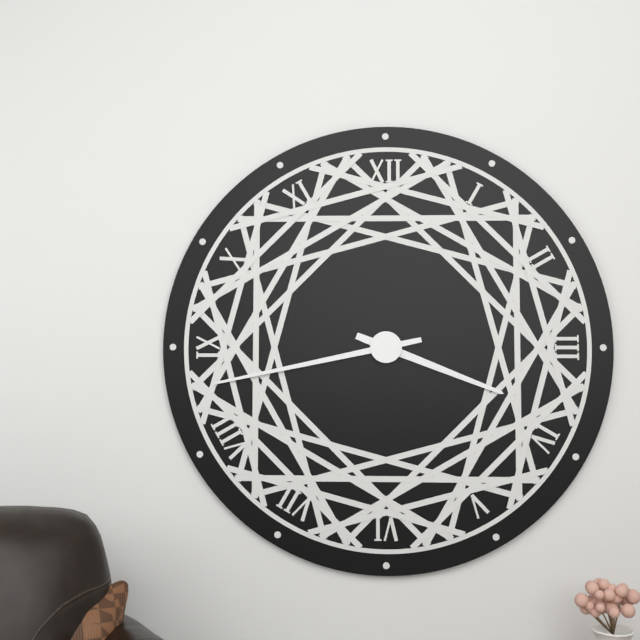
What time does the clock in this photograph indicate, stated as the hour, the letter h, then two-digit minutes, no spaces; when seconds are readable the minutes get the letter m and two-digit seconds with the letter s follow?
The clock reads 3h43
